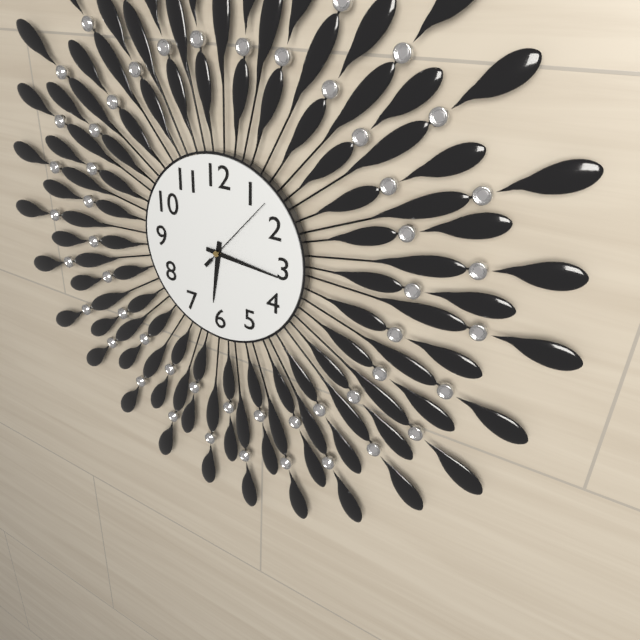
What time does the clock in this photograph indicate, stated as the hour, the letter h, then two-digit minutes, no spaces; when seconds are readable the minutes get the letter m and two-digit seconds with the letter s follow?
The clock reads 6h16m07s
